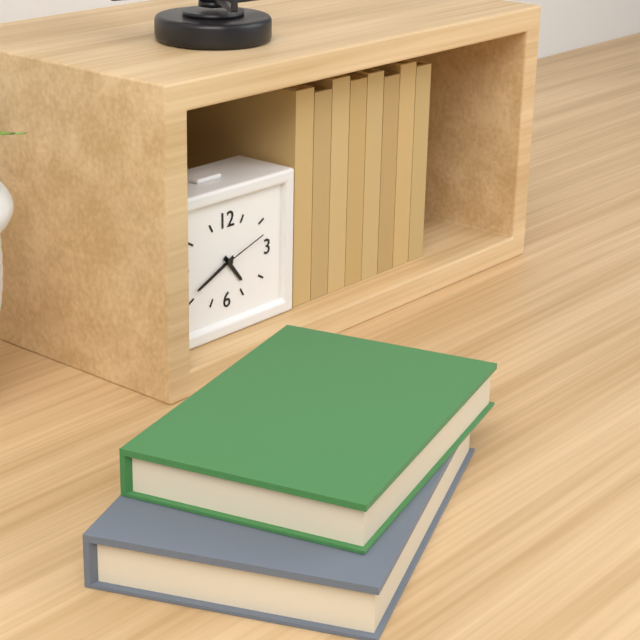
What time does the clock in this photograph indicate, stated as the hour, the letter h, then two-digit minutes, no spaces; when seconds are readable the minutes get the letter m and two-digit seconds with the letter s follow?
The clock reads 4h41m12s
